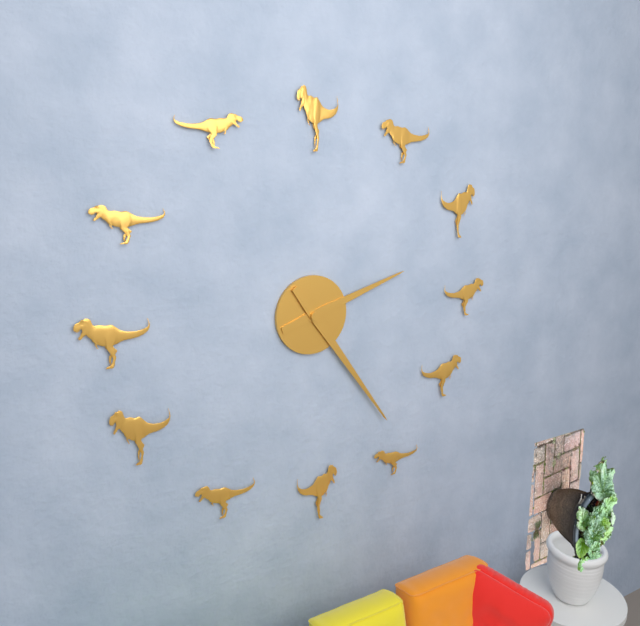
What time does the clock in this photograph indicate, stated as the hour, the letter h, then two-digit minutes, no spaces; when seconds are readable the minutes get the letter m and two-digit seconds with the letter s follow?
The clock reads 2h24
